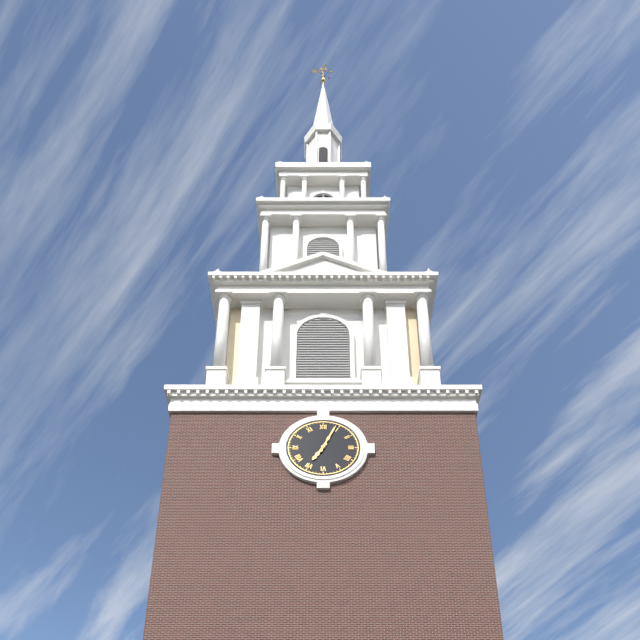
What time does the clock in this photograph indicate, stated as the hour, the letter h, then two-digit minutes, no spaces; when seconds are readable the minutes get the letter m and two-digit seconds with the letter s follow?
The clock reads 7h04
